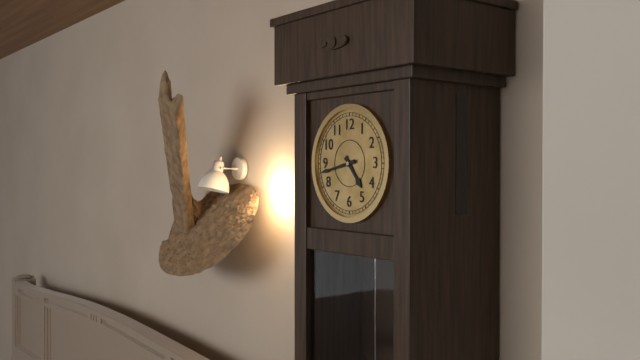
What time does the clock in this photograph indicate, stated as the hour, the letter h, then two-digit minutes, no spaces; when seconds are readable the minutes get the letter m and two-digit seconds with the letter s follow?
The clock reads 4h43
